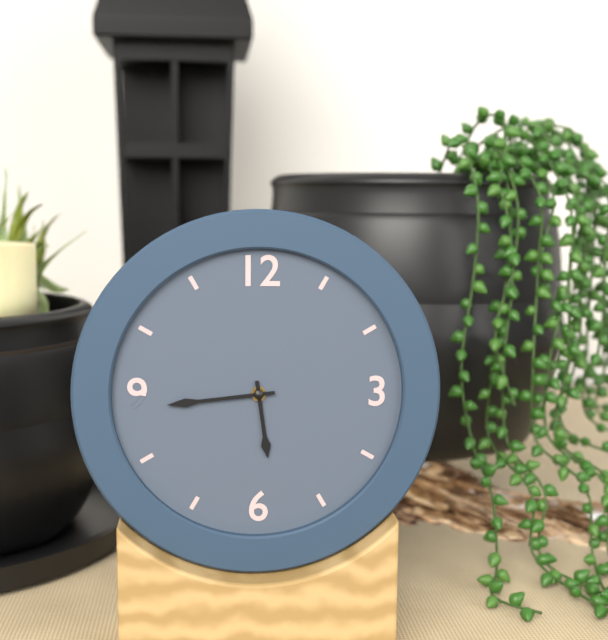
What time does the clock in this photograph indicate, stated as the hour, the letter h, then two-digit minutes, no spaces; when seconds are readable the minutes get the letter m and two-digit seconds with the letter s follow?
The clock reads 5h44
